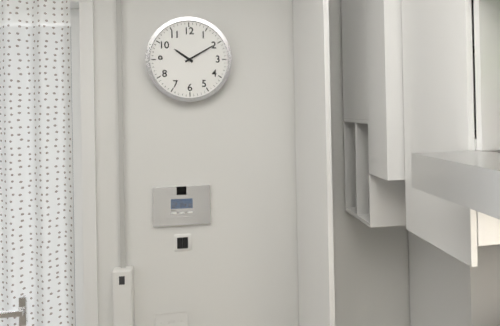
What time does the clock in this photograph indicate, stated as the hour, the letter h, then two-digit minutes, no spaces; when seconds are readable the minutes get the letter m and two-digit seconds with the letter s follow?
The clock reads 10h10
